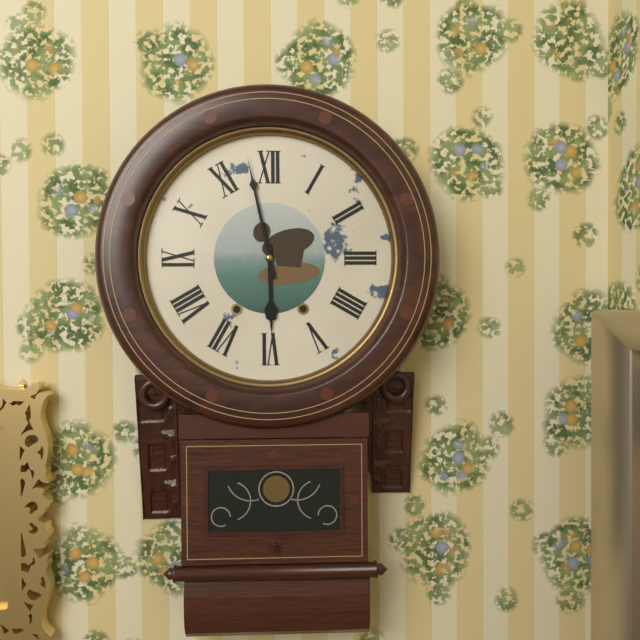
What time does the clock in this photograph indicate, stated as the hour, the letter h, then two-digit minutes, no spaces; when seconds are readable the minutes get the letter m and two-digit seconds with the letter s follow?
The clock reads 5h58
